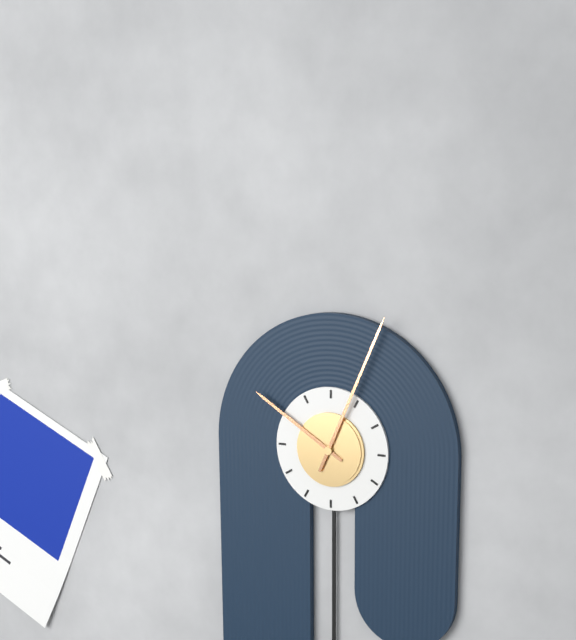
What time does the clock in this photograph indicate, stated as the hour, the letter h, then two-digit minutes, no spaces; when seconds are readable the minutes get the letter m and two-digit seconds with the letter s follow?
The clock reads 10h04
